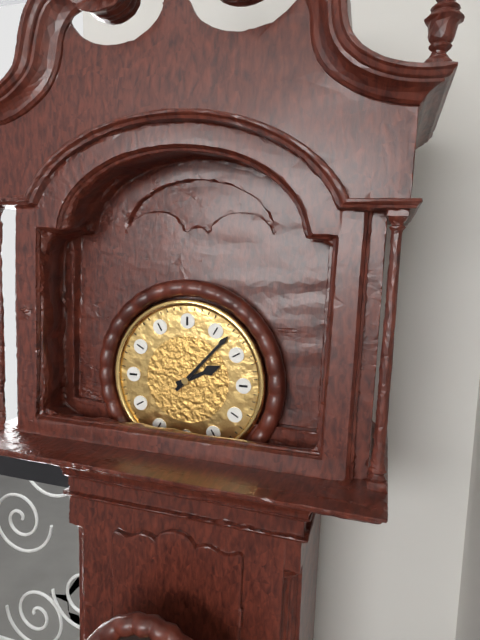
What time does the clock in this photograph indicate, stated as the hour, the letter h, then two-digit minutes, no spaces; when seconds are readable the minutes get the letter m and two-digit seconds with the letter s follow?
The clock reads 2h07
